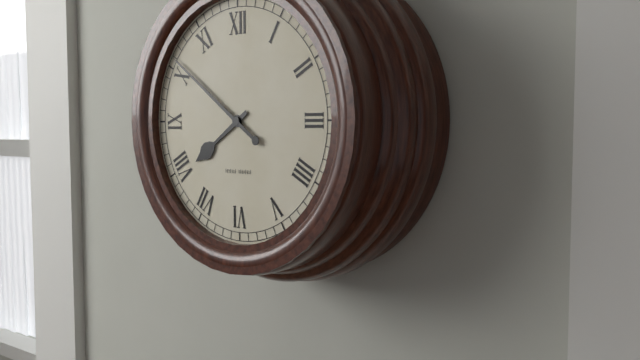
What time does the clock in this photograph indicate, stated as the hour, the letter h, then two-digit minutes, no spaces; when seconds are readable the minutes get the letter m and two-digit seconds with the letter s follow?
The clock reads 7h51
